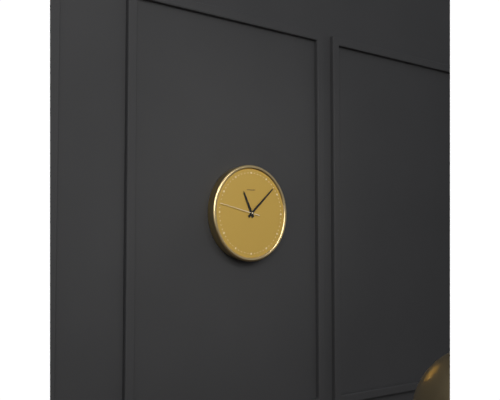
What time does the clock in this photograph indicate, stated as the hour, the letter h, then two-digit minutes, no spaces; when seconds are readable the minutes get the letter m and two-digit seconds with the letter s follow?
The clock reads 11h08
